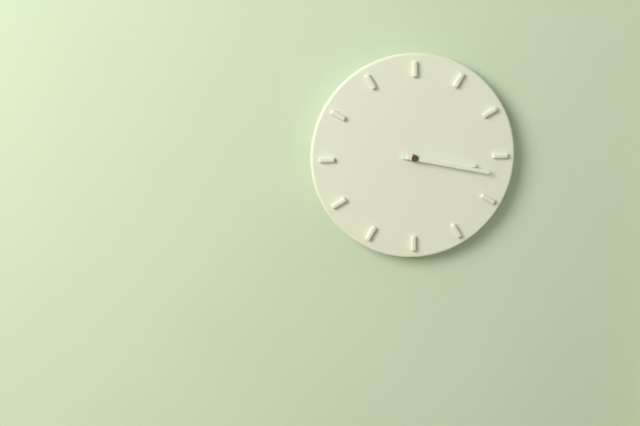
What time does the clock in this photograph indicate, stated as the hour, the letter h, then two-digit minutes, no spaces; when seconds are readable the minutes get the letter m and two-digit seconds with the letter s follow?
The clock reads 3h17
